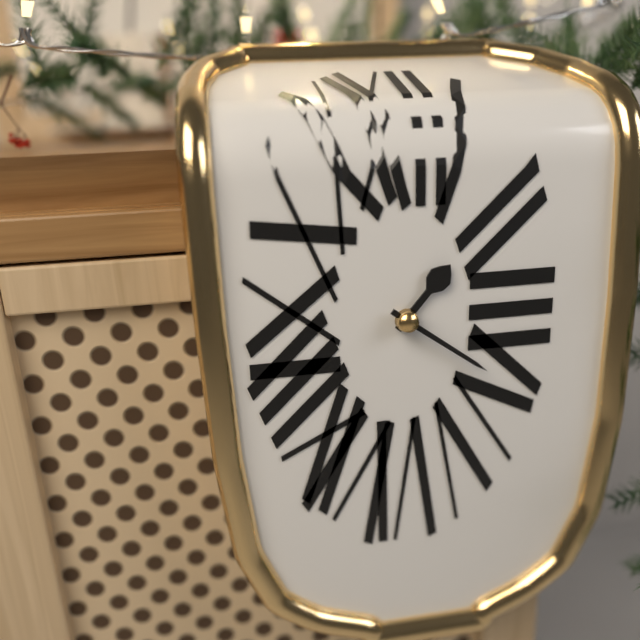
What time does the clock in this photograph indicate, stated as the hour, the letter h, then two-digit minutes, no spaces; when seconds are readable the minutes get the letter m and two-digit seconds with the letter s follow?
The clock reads 1h21
